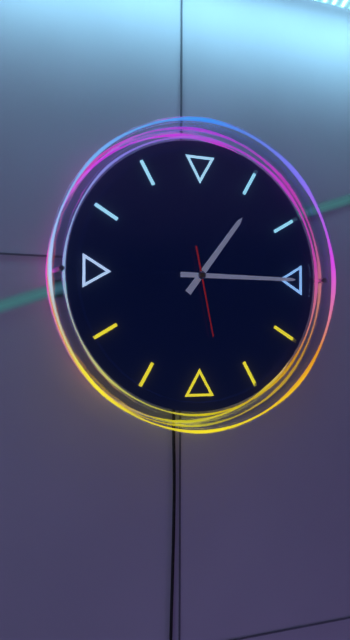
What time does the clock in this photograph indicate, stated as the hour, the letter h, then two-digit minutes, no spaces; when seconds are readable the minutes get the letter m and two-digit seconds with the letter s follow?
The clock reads 1h15m28s
